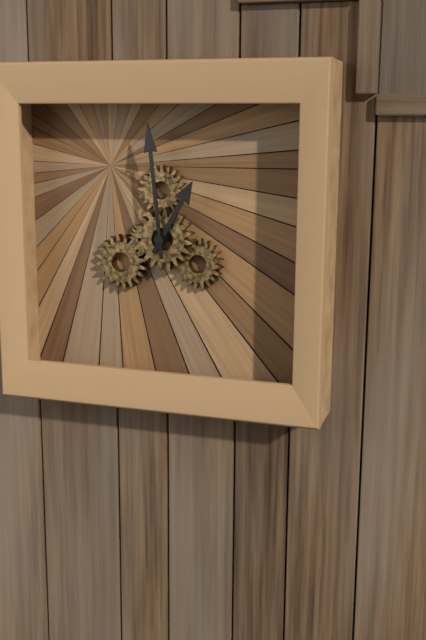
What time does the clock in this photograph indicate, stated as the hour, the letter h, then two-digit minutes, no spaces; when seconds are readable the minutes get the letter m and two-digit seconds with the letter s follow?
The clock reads 12h59
